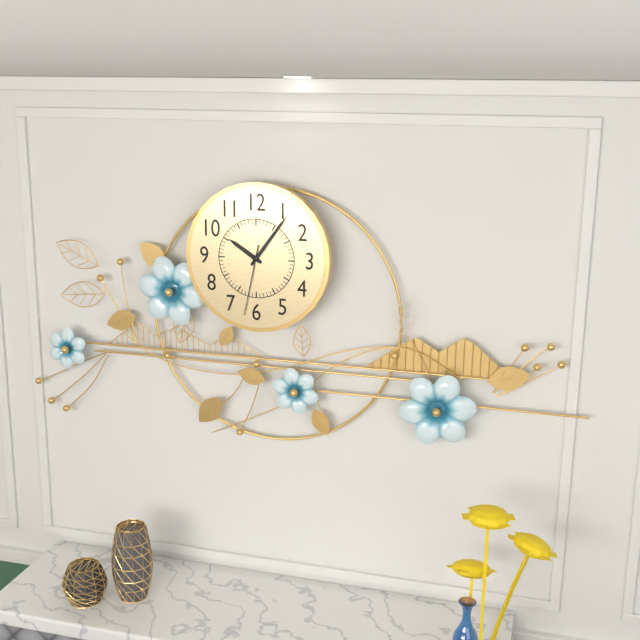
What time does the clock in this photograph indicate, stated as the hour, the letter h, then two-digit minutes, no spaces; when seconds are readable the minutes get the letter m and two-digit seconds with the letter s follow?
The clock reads 10h06m32s
